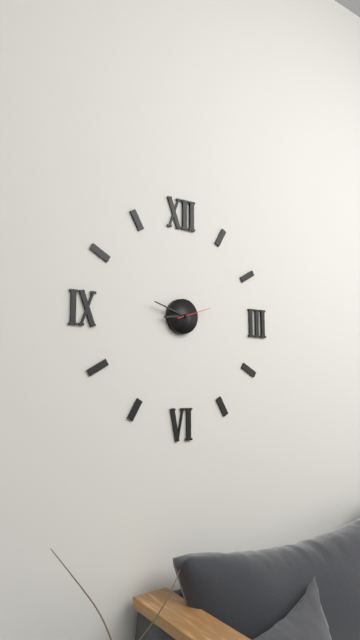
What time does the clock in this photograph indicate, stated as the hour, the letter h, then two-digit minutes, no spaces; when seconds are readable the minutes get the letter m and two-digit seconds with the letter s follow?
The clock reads 8h48
